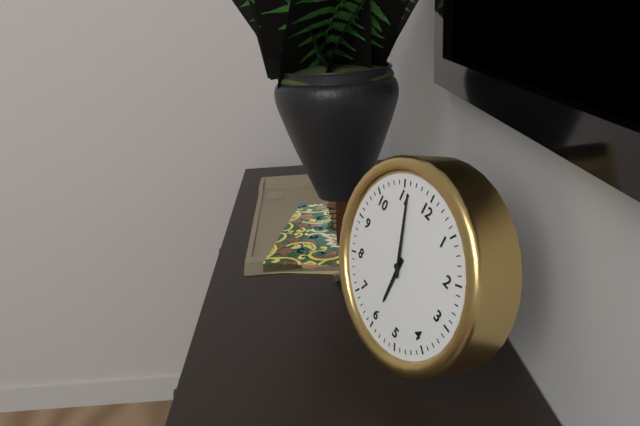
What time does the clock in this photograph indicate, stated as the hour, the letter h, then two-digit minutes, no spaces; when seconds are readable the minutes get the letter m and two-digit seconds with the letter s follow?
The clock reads 5h56
